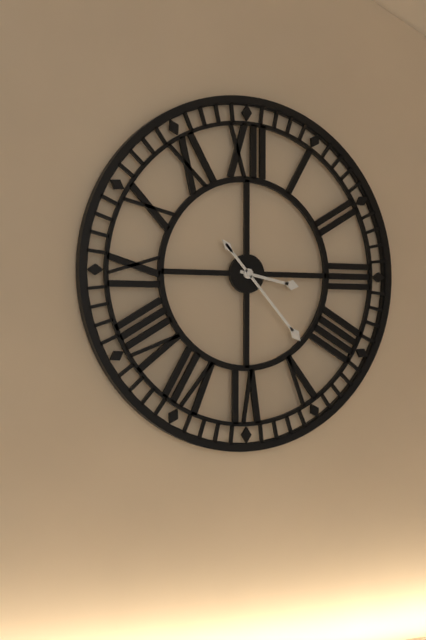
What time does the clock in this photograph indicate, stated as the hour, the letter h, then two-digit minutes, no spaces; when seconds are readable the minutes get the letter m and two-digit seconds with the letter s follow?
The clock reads 3h23
